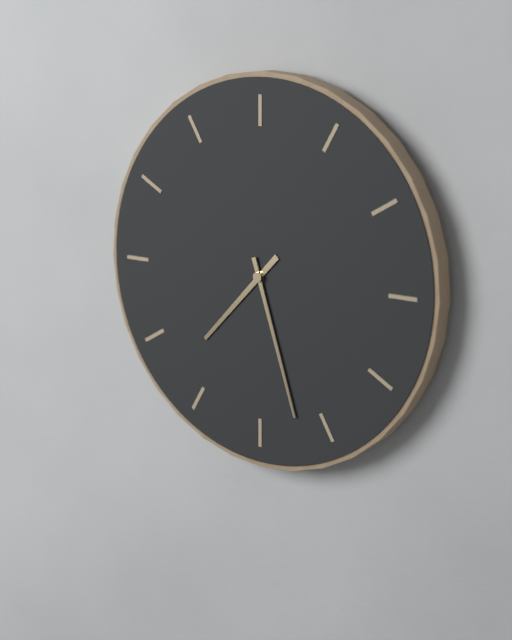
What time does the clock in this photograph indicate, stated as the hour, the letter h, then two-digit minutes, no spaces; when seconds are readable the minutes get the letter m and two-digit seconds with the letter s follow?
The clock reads 7h27
